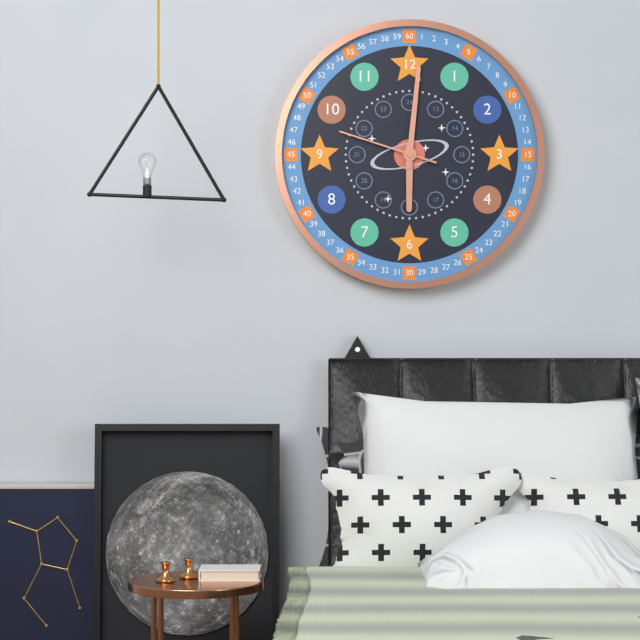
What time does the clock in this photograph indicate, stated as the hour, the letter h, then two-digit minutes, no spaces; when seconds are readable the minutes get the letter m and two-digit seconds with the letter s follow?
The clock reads 6h01m48s
